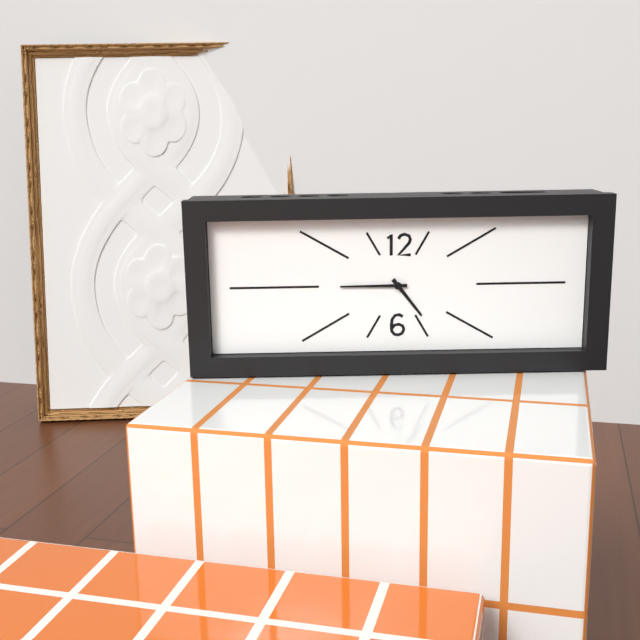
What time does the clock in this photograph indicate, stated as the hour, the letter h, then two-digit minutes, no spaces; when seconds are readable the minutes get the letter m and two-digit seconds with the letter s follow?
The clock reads 4h45
